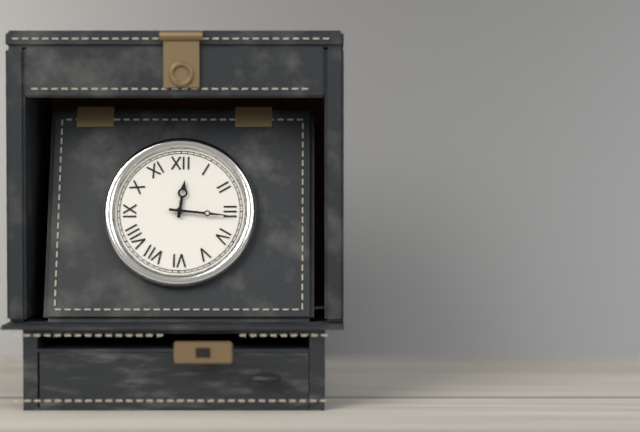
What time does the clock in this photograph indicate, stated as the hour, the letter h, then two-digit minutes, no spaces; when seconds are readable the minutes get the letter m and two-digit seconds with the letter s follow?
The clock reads 12h16
